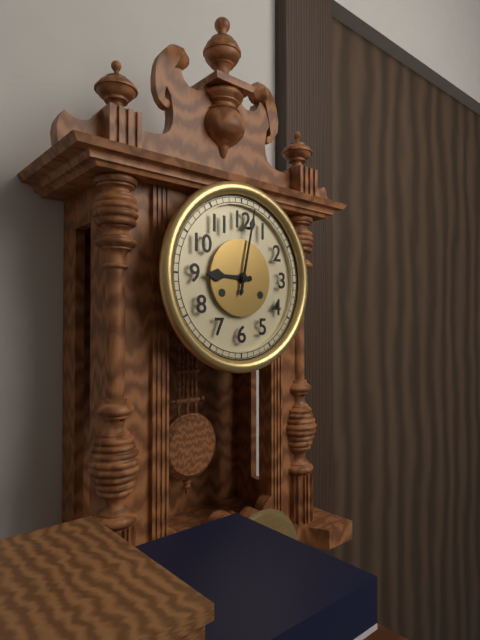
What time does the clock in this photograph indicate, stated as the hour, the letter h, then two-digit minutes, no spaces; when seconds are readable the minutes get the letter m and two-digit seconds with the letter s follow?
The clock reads 9h02
